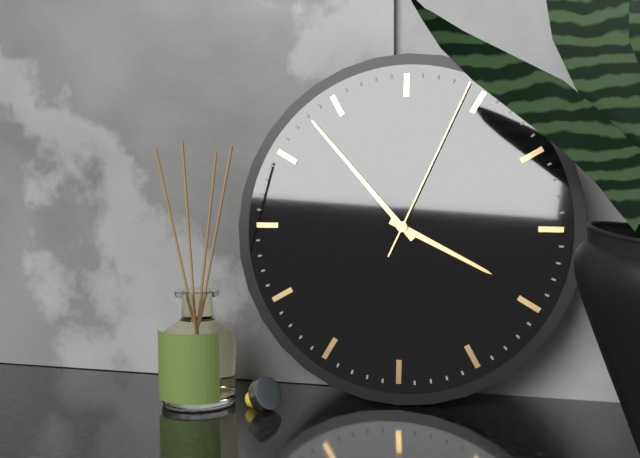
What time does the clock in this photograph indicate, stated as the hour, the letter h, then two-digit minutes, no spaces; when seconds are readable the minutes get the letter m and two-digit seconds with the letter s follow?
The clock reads 3h53m04s
